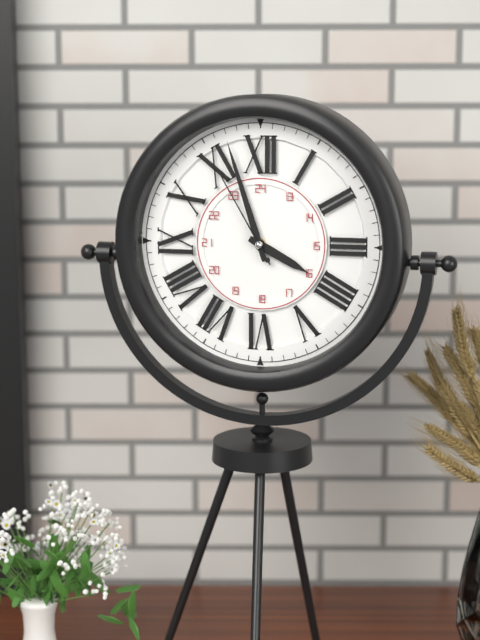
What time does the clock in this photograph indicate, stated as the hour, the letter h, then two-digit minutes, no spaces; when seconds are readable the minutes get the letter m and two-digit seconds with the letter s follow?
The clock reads 3h57m55s
